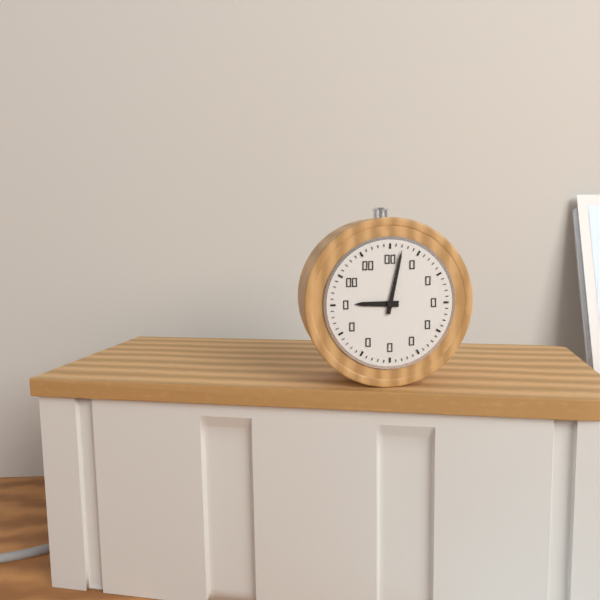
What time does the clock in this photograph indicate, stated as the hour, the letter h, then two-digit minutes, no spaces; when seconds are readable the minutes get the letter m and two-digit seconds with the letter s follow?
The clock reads 9h02
